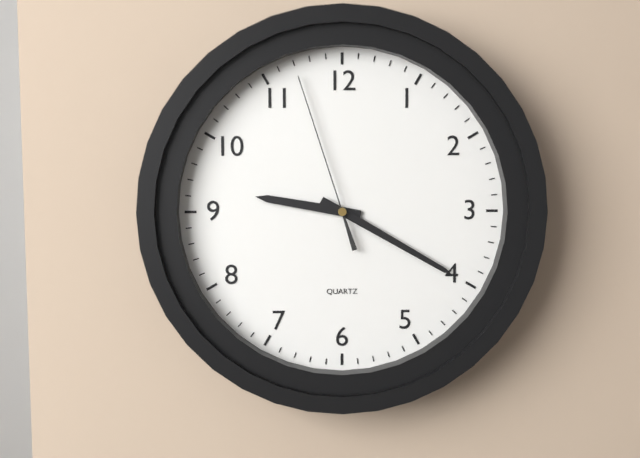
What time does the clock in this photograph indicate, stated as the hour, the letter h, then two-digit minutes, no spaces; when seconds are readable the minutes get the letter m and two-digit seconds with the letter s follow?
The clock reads 9h20m57s
